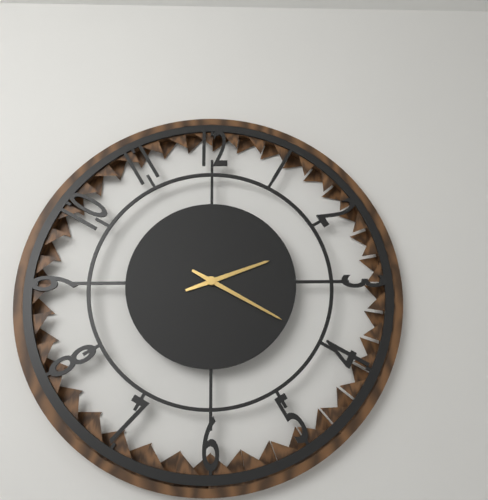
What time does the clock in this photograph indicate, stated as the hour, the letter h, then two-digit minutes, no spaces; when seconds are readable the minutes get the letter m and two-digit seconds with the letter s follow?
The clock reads 2h20
